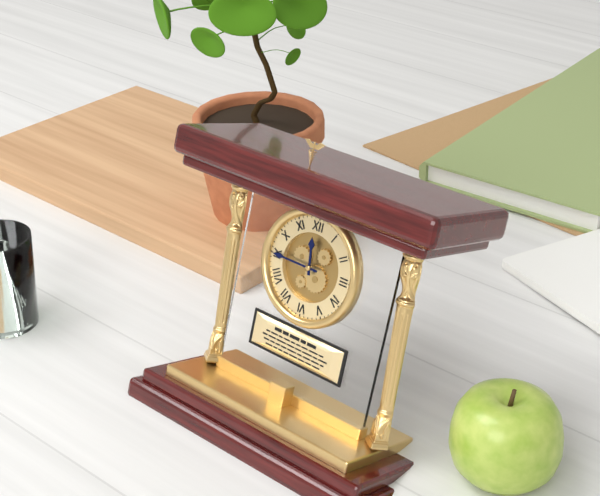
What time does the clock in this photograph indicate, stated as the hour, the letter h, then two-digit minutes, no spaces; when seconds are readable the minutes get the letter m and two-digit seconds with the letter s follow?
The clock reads 11h45
